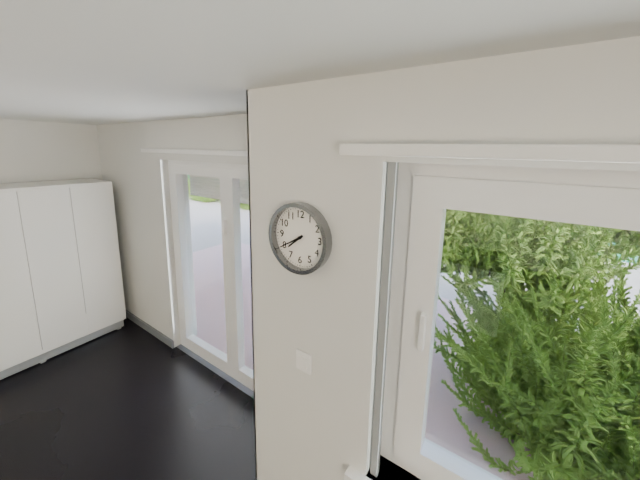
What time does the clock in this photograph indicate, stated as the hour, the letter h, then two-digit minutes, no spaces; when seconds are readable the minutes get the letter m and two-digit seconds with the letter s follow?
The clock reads 7h40
